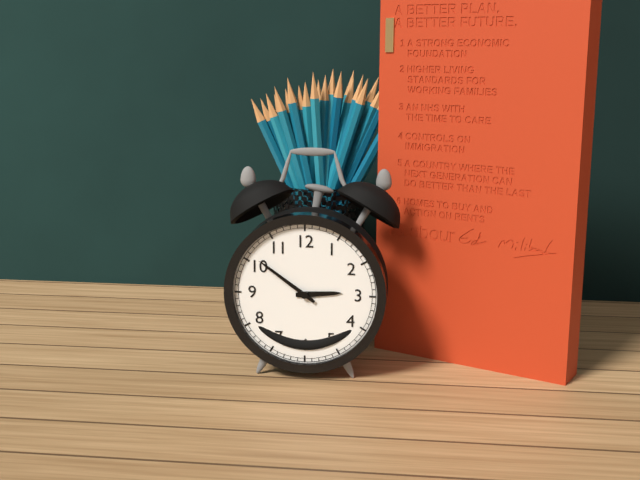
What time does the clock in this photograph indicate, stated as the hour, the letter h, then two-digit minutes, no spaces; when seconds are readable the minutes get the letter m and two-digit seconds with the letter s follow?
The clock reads 2h51
